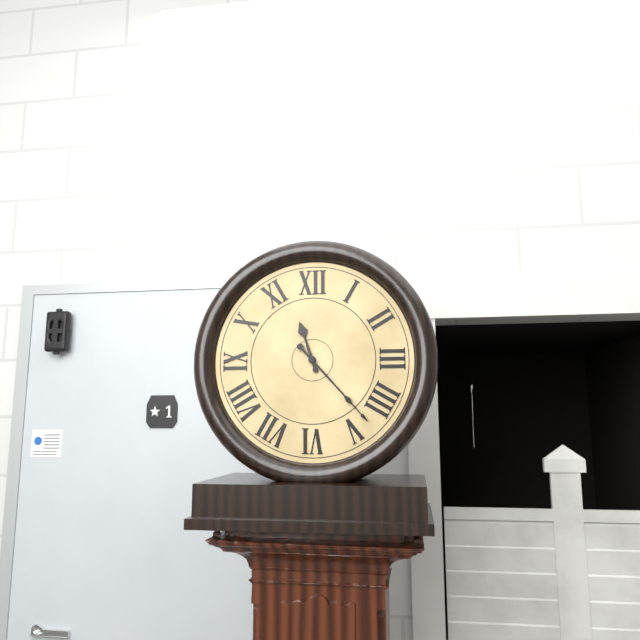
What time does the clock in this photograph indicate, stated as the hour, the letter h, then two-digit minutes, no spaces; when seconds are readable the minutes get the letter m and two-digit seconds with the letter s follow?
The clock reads 11h23
